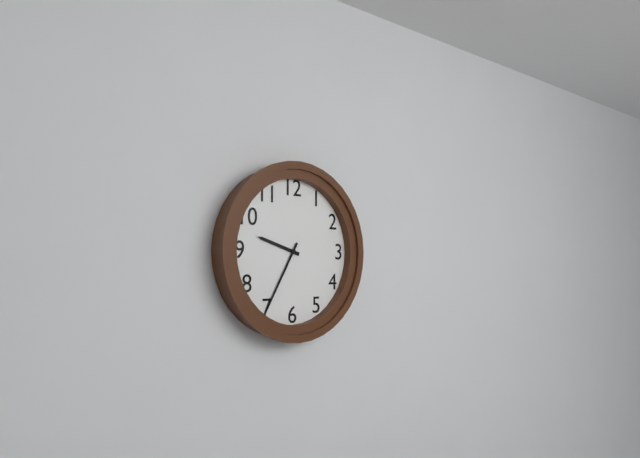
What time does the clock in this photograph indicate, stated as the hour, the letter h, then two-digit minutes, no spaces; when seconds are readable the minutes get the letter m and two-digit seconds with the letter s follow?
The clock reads 9h35
